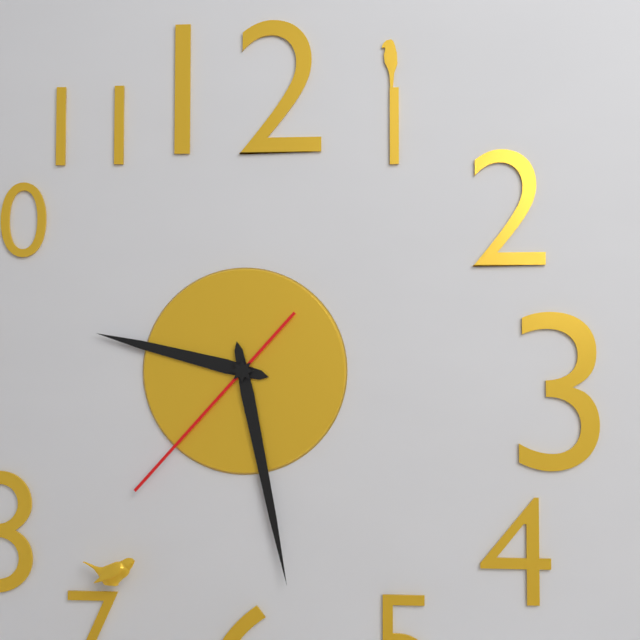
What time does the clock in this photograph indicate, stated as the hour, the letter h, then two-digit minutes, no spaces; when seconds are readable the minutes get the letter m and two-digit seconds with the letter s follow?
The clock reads 9h28m37s
